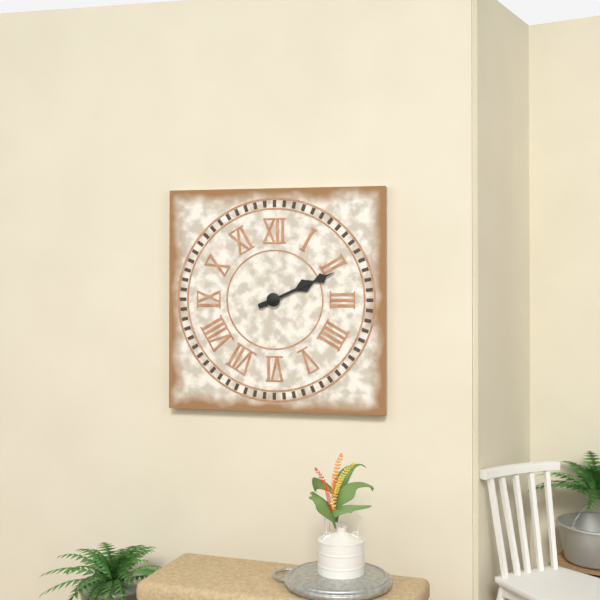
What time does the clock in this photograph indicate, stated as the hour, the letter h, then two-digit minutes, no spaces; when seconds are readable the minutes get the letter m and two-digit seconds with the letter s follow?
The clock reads 2h11
